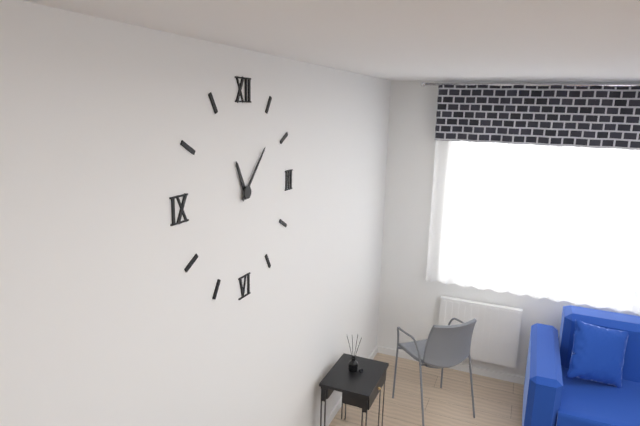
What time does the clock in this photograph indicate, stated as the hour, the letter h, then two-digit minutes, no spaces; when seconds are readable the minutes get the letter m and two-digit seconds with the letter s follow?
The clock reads 11h07
